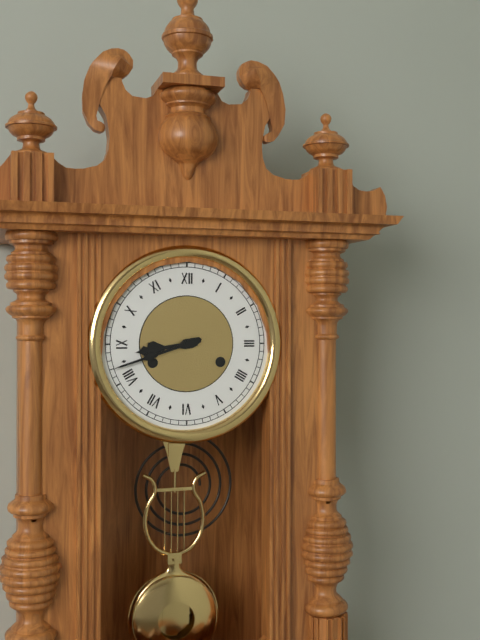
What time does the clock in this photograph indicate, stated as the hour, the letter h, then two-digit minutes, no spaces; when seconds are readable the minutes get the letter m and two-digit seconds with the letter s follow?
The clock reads 8h42
